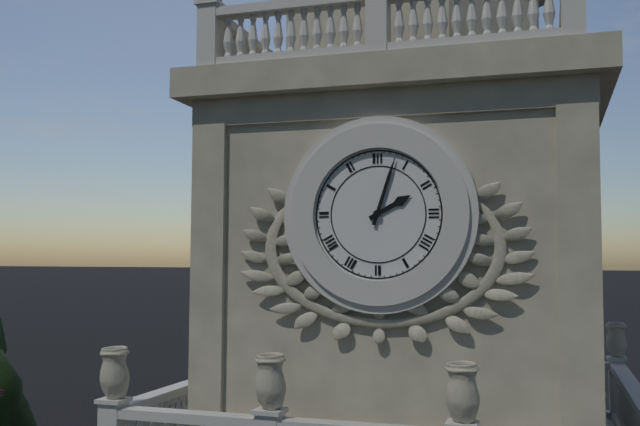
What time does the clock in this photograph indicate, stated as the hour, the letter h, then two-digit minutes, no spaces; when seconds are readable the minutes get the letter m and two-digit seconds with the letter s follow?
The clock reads 2h03
